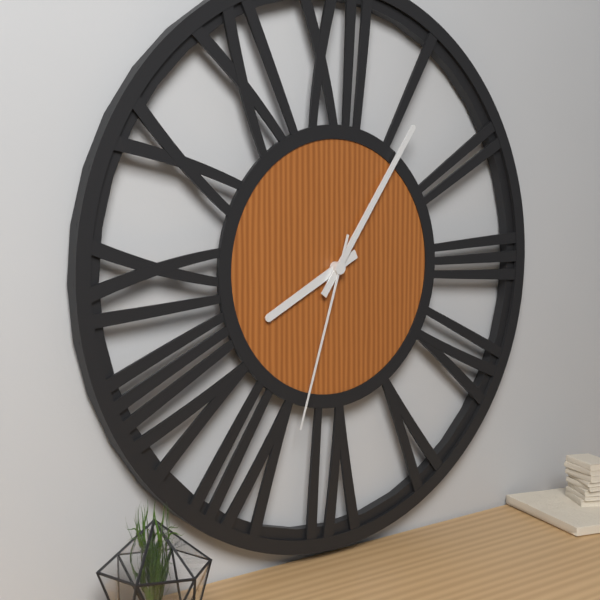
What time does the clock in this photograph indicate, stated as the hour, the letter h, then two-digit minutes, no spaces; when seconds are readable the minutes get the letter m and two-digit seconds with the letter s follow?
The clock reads 8h06m33s
